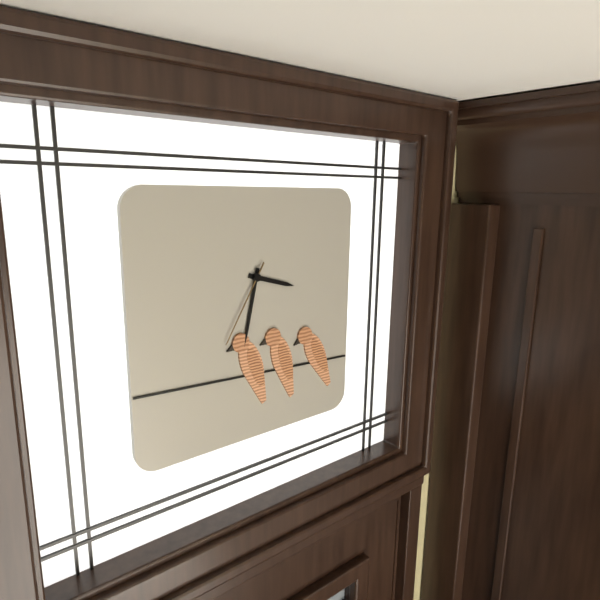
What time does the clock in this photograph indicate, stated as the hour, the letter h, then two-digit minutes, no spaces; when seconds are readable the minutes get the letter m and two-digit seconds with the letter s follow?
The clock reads 3h32m35s
